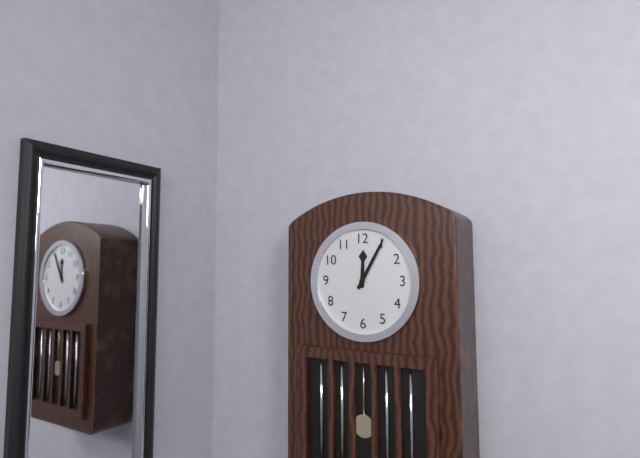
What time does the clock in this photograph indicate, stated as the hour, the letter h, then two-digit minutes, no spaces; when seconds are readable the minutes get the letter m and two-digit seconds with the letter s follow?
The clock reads 12h05
